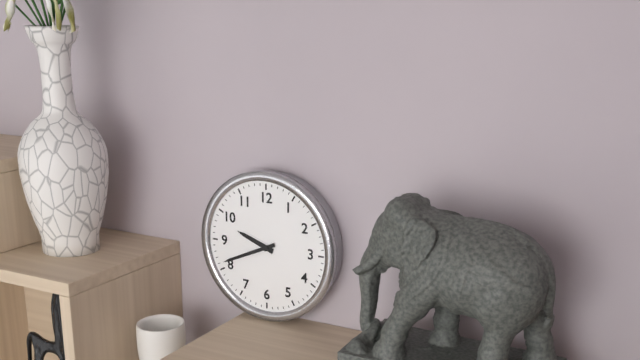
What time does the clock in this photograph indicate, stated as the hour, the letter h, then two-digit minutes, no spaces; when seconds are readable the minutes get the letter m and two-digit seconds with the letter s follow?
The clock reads 9h41
